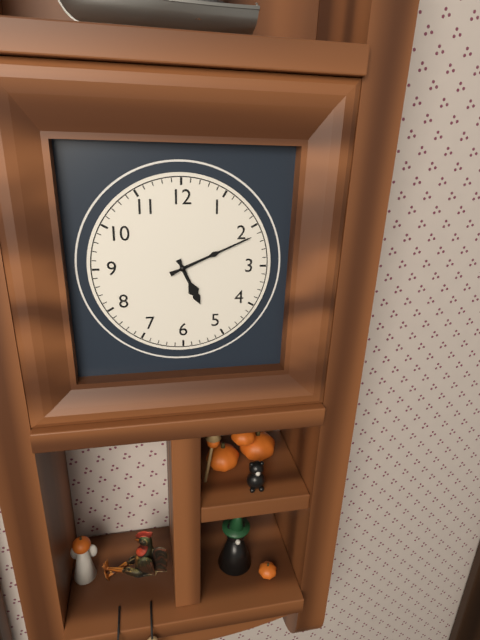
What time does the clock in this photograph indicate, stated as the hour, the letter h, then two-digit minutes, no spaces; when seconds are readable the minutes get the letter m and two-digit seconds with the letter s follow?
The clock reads 5h11
